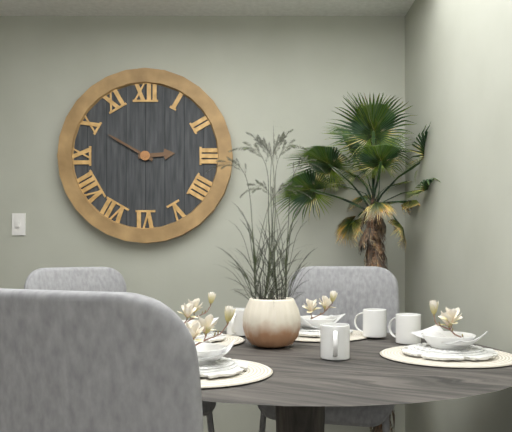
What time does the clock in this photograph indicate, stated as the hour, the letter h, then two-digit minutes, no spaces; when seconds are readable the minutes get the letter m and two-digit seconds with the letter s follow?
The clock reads 2h50
